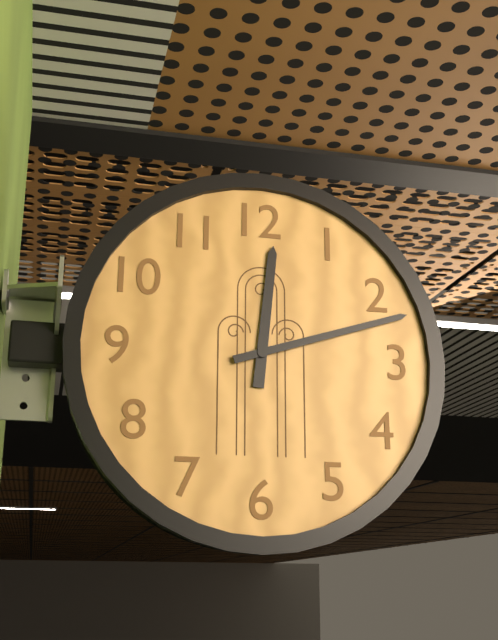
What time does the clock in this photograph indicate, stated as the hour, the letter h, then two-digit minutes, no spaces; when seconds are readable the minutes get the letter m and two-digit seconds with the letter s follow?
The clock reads 12h12
